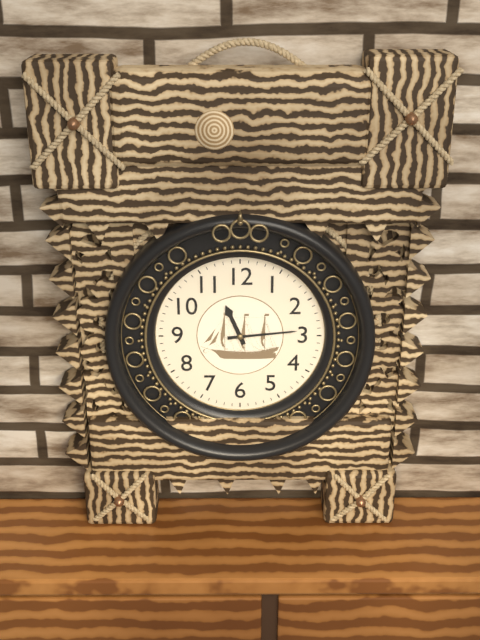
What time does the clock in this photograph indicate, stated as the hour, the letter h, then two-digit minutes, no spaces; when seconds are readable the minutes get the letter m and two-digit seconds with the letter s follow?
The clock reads 11h14
